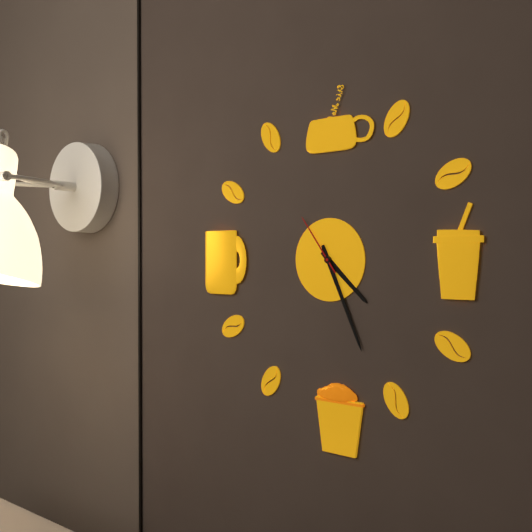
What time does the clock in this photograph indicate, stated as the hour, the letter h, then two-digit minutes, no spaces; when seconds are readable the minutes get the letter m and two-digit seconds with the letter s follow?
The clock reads 4h26m54s
